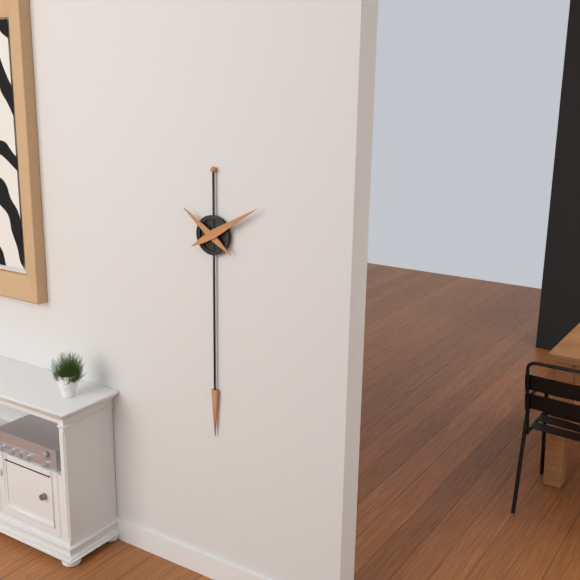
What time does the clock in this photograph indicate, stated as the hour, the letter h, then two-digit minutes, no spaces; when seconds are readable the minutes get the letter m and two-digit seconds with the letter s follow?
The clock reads 10h10
